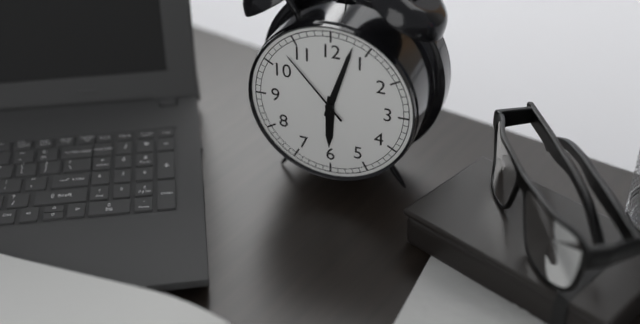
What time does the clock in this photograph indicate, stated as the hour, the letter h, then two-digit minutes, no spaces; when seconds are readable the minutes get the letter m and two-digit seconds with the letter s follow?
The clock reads 6h03m53s
